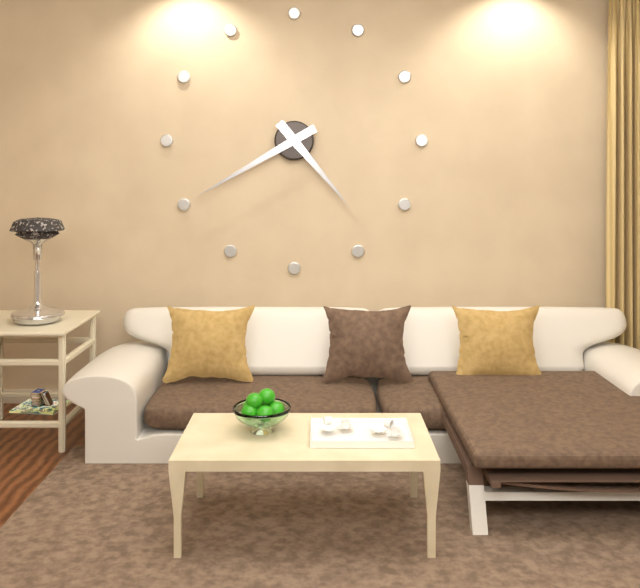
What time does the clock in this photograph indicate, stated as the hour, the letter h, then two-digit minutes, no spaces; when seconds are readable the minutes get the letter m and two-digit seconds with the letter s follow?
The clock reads 4h40
